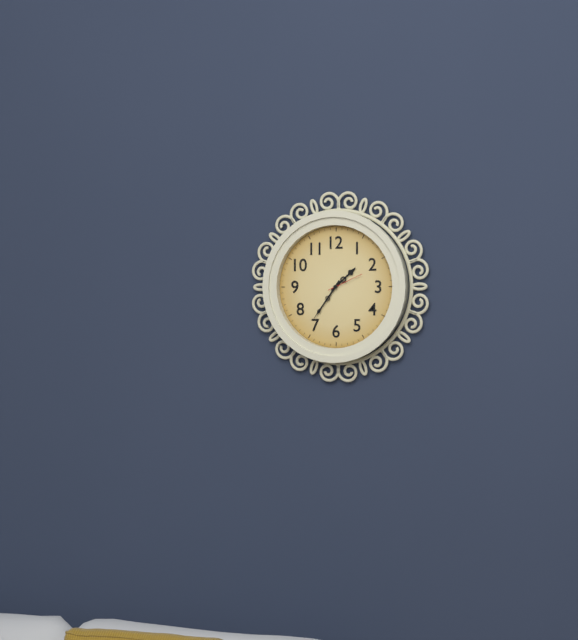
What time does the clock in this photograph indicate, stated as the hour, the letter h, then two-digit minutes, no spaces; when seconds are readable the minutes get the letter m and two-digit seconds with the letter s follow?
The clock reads 1h36
